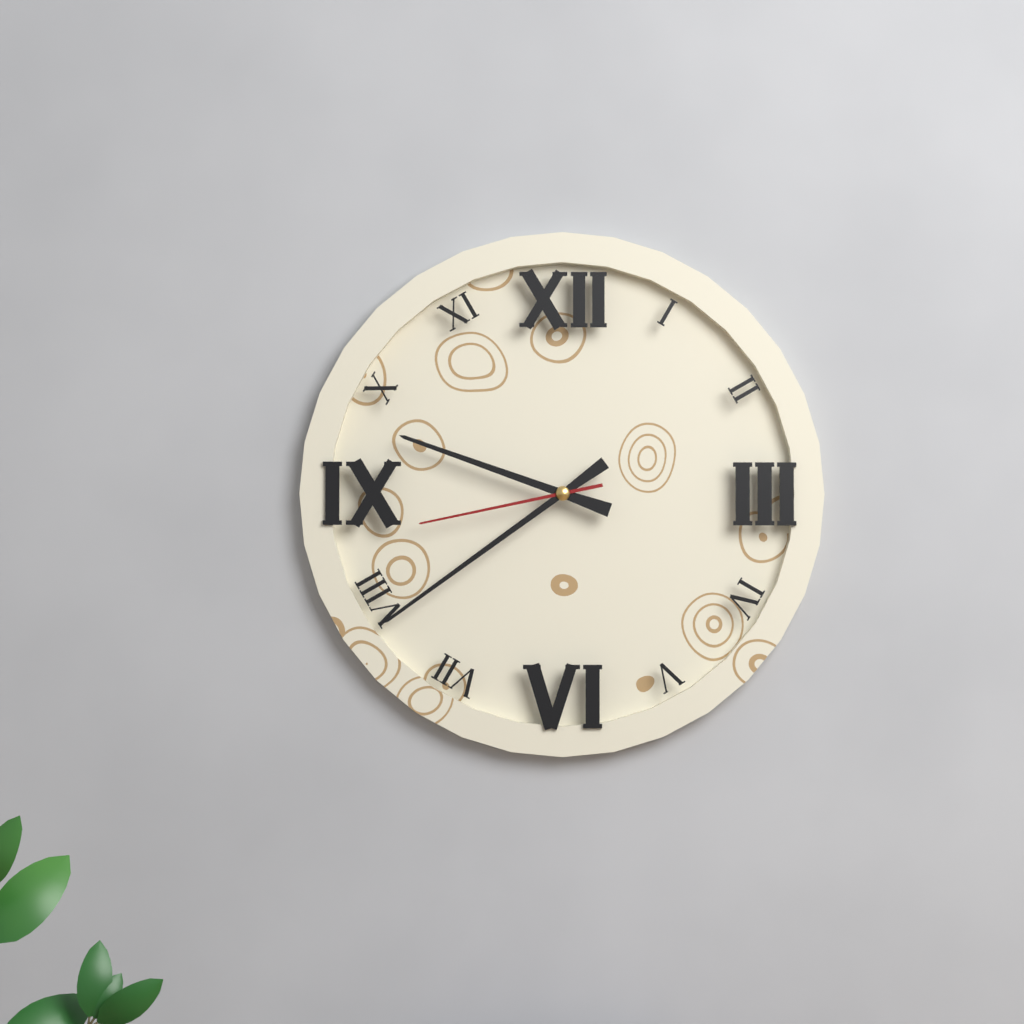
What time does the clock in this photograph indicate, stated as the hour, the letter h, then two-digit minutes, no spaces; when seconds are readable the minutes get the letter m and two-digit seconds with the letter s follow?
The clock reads 9h39m43s
